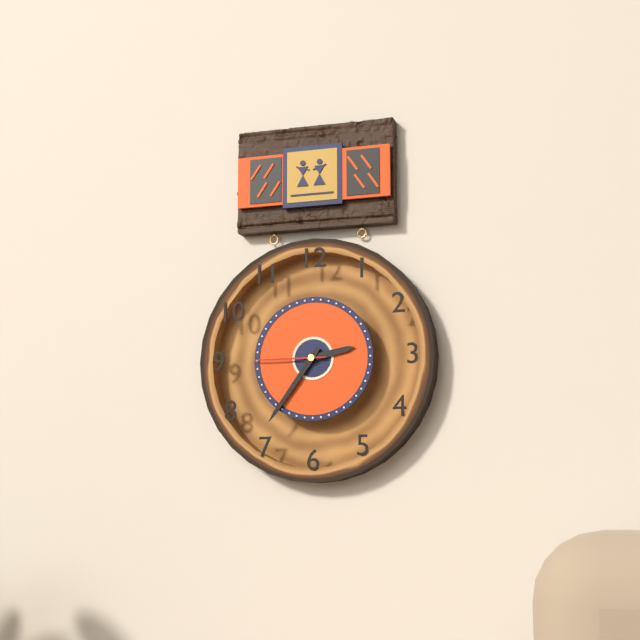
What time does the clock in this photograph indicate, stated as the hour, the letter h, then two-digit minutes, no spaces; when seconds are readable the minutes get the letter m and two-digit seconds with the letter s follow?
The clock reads 2h36m45s
